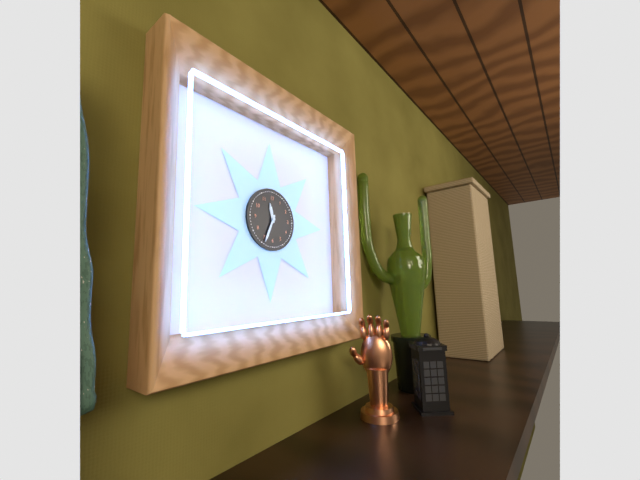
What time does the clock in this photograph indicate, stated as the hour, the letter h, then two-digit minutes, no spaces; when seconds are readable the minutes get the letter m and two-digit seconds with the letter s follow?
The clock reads 11h34
